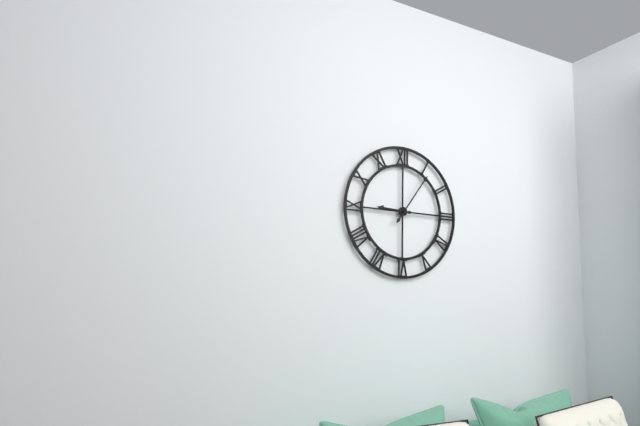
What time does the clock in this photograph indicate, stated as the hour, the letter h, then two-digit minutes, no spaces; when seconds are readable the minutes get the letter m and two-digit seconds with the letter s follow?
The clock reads 9h06
